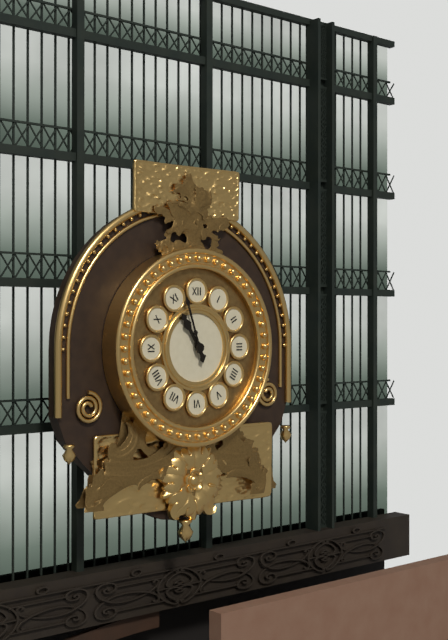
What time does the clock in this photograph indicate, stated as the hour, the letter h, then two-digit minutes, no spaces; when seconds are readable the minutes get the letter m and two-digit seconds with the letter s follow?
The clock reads 10h57
